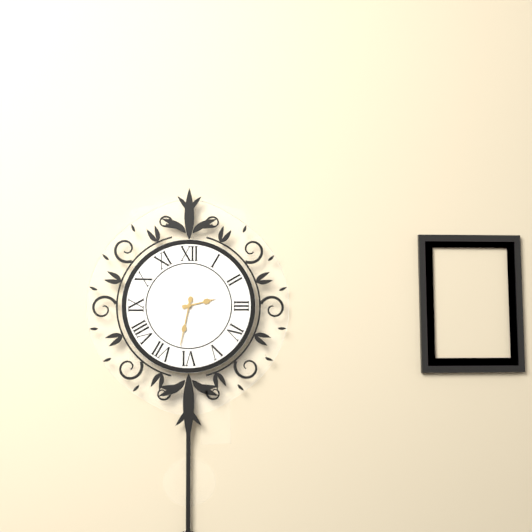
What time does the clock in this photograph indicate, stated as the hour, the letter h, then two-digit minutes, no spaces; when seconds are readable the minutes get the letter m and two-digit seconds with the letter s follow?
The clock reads 2h32
